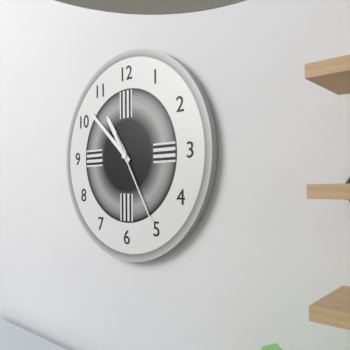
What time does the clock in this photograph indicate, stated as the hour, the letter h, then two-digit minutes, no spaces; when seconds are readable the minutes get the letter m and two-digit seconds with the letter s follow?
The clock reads 10h52m25s
